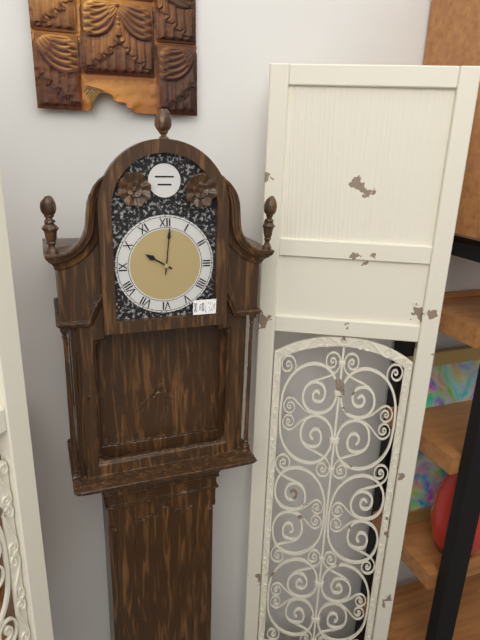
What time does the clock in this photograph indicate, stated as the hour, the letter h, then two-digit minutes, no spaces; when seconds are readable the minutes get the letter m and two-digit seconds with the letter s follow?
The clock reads 10h01
